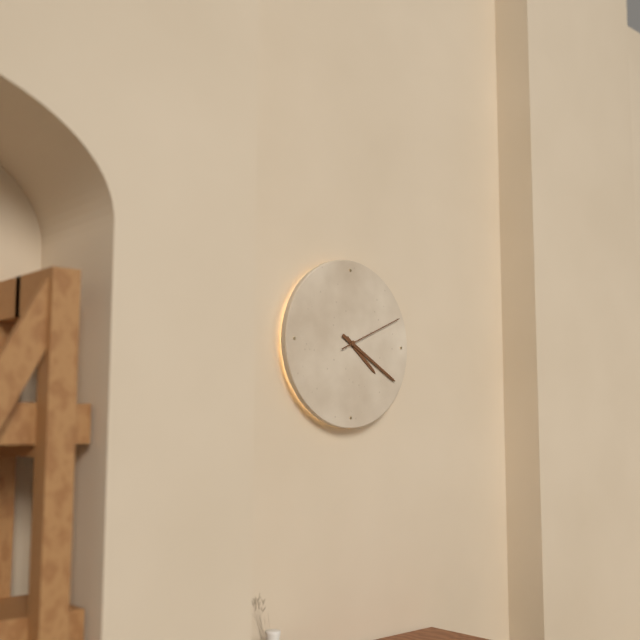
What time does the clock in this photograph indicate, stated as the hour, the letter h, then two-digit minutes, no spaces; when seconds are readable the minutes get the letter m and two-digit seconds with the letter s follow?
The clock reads 4h20m11s
